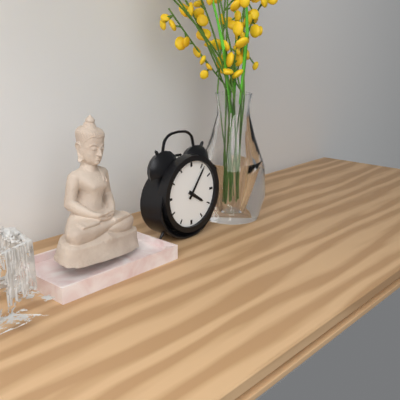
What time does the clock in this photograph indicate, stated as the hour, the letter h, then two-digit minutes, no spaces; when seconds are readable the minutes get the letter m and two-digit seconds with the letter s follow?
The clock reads 4h06
